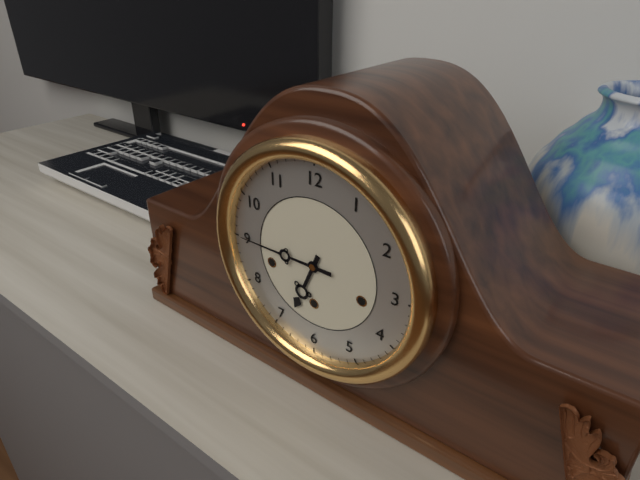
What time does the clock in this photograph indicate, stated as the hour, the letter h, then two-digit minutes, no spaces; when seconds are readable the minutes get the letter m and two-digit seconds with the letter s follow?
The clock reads 6h45
